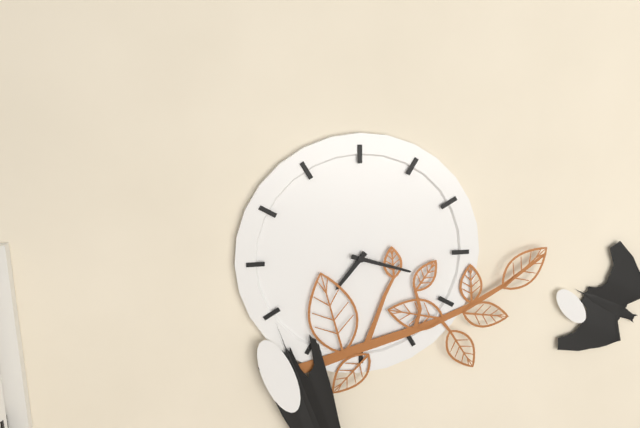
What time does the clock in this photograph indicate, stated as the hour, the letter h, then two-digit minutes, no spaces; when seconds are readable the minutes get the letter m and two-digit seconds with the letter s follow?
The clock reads 7h18
